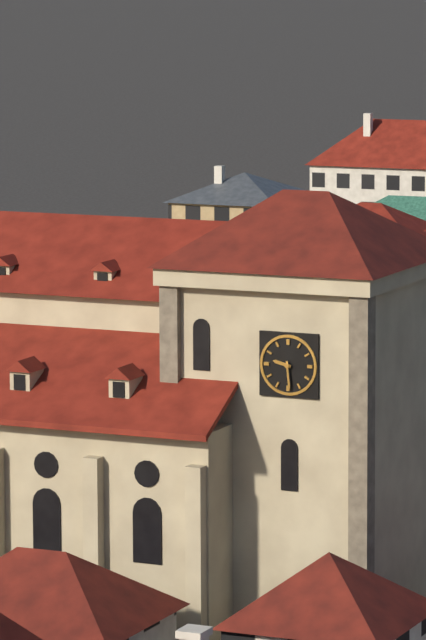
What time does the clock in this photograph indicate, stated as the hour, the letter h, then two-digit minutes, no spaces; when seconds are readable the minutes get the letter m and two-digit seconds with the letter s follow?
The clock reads 9h29
